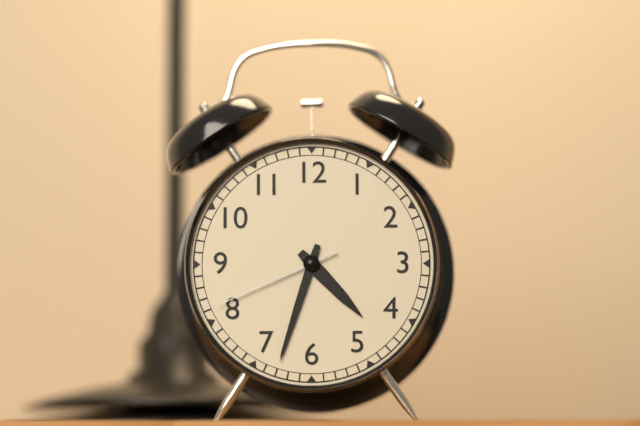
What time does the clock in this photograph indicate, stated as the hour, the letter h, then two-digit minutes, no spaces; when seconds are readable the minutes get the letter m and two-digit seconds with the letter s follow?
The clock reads 4h33m41s
